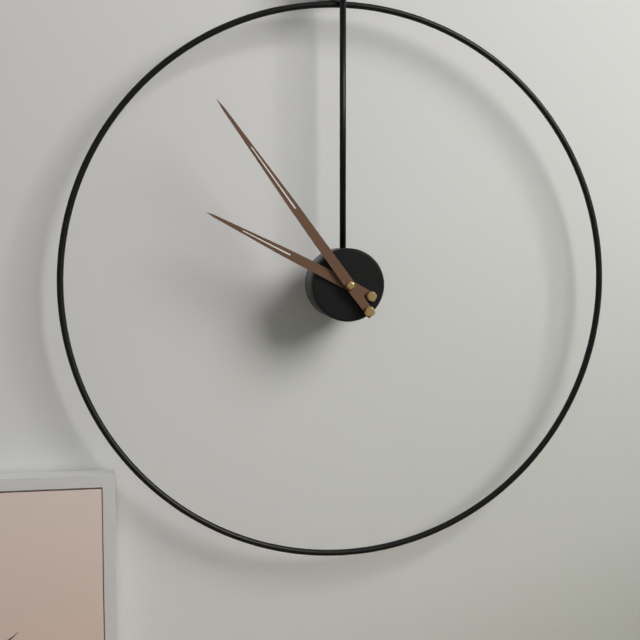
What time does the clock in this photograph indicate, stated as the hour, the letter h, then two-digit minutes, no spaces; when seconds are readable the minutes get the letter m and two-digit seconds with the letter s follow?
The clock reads 9h54
